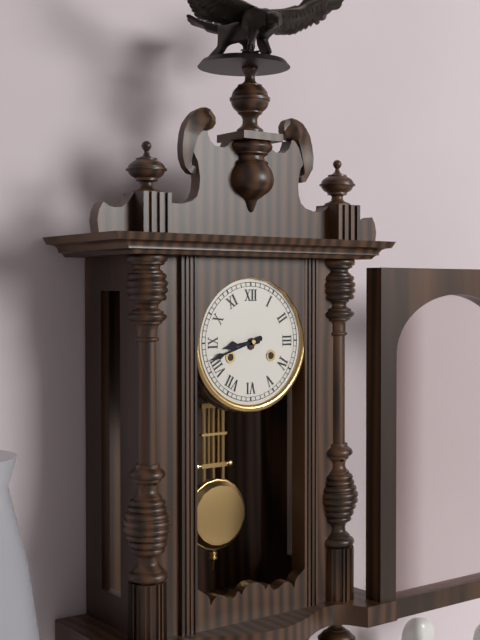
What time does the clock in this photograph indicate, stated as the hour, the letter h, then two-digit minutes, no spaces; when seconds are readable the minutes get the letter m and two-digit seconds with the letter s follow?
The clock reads 8h42
